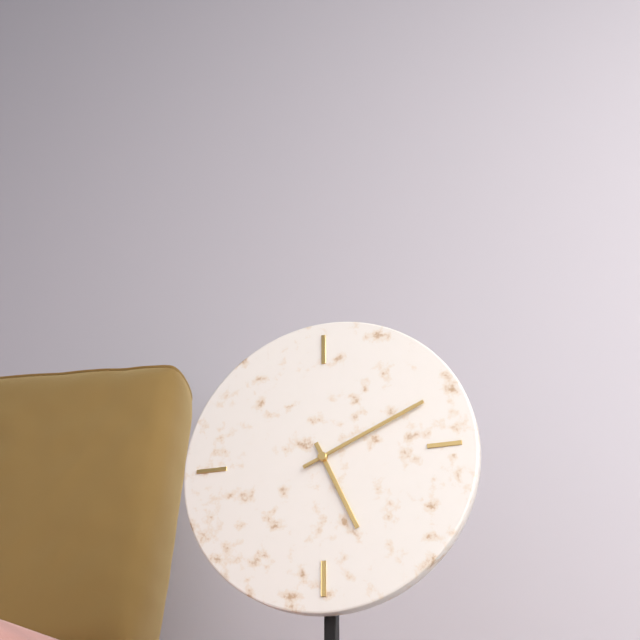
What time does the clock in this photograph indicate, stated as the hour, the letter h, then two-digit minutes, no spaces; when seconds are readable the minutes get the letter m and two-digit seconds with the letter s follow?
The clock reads 5h11
